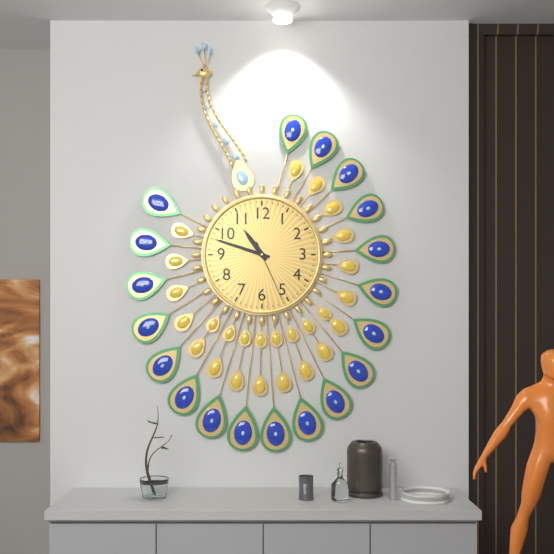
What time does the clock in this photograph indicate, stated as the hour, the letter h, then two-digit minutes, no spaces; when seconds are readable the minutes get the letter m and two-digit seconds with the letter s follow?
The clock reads 10h48m26s
